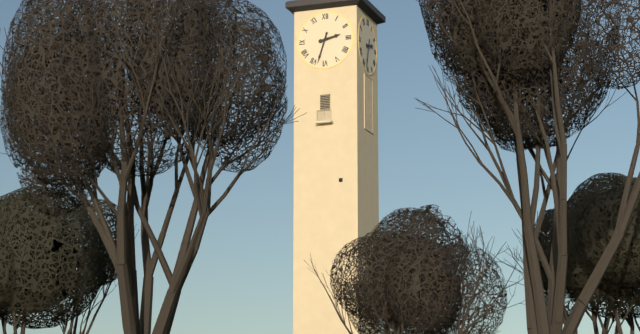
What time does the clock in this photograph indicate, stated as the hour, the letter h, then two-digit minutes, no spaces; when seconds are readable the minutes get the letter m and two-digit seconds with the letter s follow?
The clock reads 2h33
